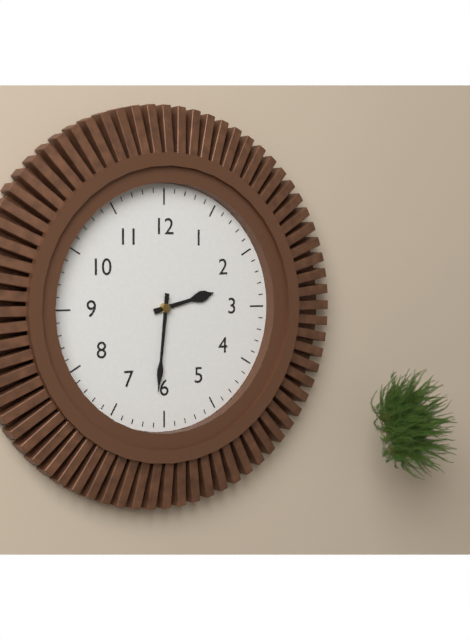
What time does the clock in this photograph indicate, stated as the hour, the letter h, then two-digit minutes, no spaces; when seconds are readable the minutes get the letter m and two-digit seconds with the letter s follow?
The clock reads 2h31
